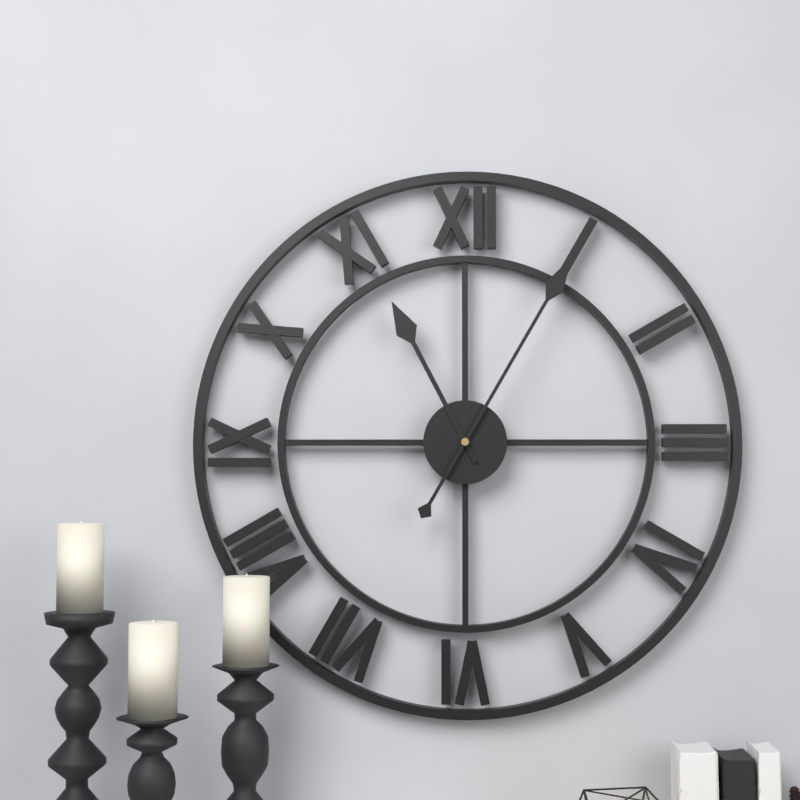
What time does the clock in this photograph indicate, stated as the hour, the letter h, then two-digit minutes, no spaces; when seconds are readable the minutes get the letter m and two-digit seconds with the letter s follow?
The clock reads 11h05
